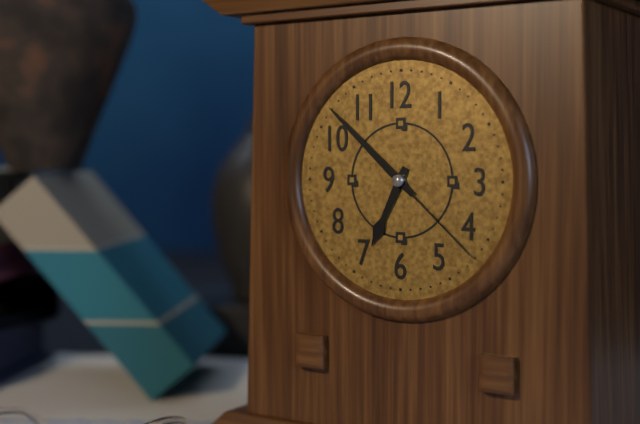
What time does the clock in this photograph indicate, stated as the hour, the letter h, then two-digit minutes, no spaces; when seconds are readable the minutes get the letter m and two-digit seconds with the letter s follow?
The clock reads 6h52m22s
